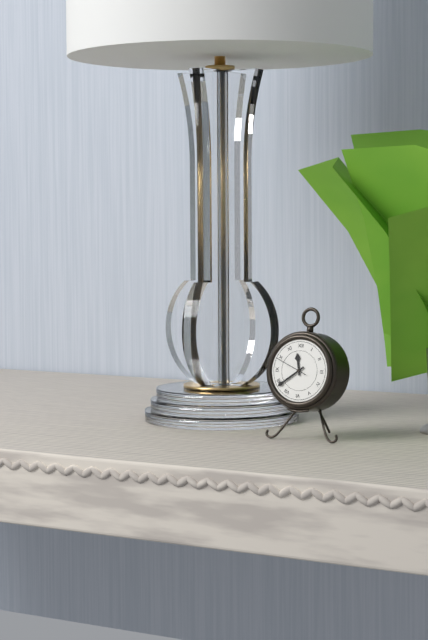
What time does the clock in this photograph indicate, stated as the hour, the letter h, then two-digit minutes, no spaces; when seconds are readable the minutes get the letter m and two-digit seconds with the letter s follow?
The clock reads 11h39
